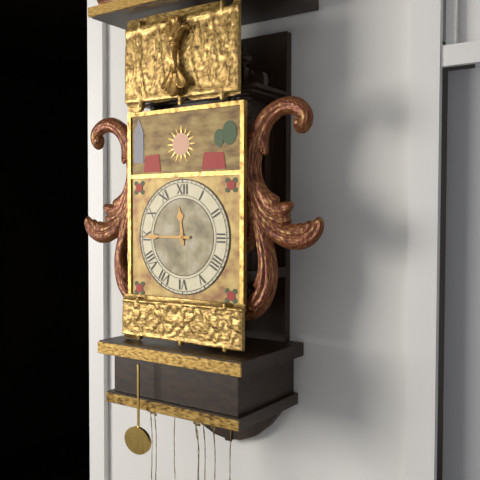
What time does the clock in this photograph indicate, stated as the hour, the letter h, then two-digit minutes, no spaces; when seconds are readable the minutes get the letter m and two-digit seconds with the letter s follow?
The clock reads 11h45
